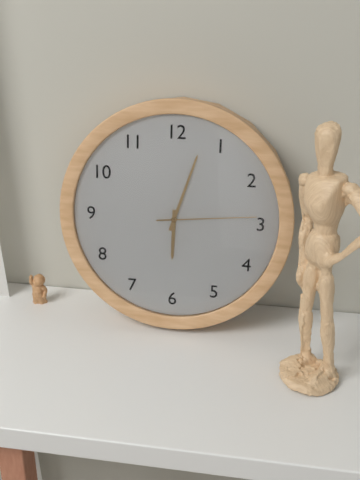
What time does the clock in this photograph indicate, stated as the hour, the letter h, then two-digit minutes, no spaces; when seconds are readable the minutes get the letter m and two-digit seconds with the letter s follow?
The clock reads 6h03m14s
